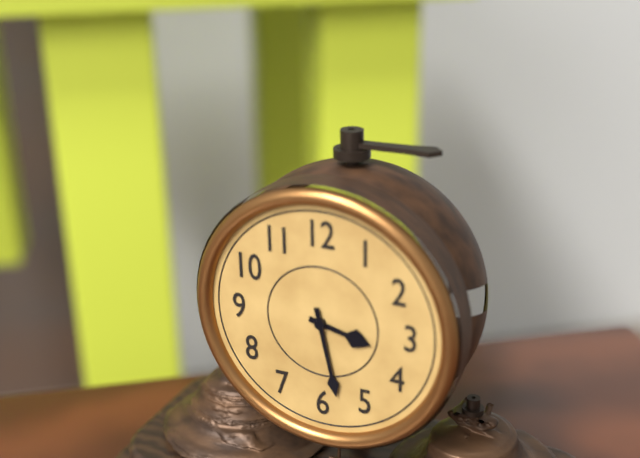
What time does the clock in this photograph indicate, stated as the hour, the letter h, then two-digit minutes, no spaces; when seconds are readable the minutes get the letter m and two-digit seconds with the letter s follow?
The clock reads 3h28
